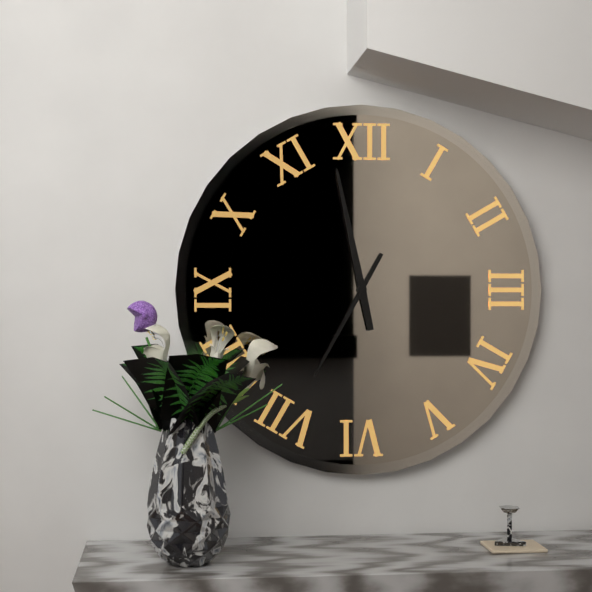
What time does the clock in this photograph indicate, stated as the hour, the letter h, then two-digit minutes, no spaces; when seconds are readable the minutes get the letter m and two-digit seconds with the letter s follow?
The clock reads 6h58
